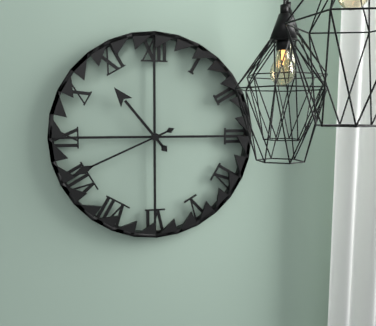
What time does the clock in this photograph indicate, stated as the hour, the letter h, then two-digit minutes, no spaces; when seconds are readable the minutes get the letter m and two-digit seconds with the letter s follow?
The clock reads 10h41
